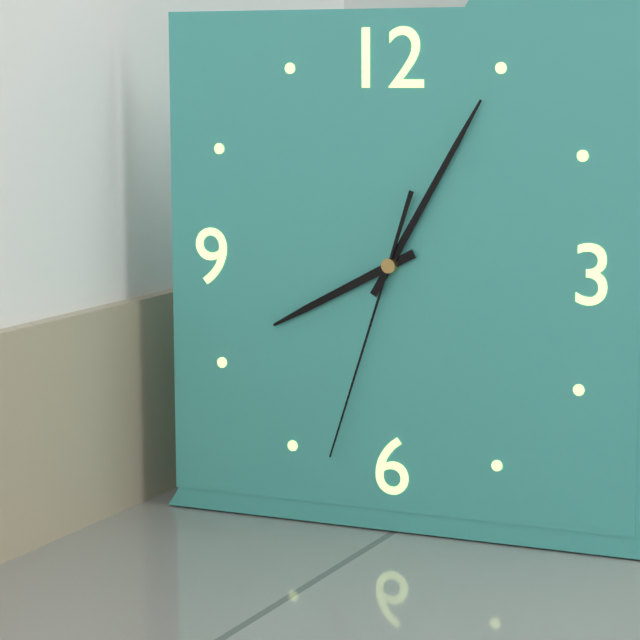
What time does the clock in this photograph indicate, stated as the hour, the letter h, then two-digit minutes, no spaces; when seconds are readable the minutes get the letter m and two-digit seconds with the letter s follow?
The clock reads 8h05m33s
